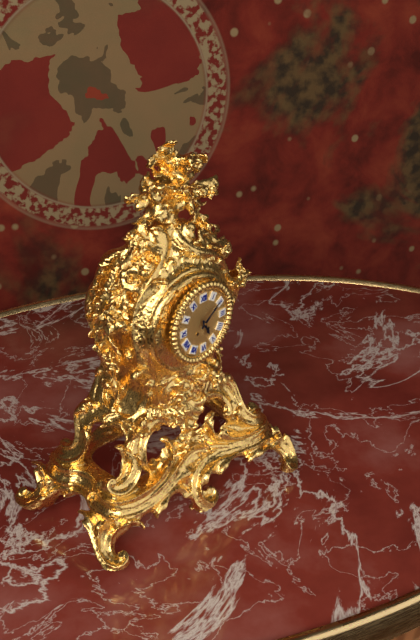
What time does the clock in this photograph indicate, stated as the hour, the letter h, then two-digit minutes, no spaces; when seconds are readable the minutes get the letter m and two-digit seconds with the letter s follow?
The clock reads 5h09
